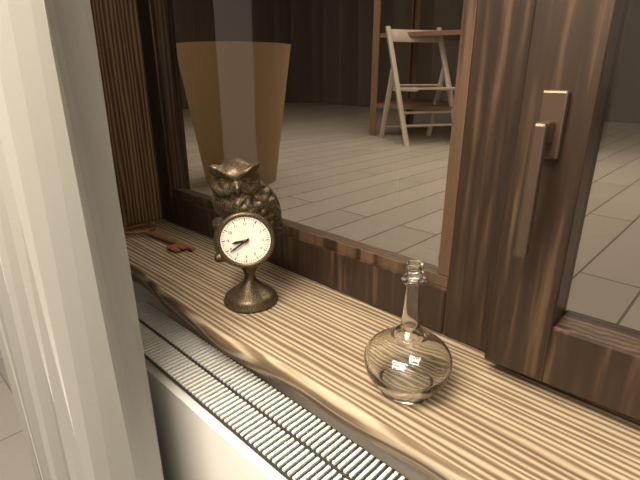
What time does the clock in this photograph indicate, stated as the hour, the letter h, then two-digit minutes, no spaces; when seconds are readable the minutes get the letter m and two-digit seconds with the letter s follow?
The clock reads 8h39
